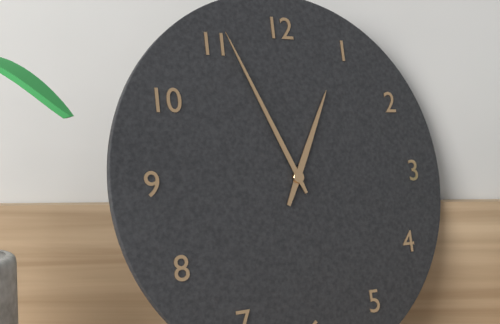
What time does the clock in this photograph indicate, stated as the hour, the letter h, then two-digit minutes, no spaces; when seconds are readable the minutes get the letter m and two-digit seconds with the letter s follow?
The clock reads 12h56
